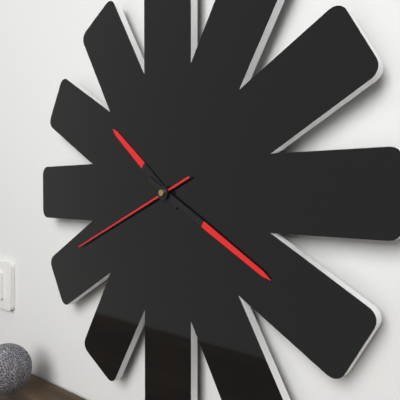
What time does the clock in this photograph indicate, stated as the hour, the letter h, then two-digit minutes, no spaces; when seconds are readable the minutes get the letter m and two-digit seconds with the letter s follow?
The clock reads 10h20m41s
